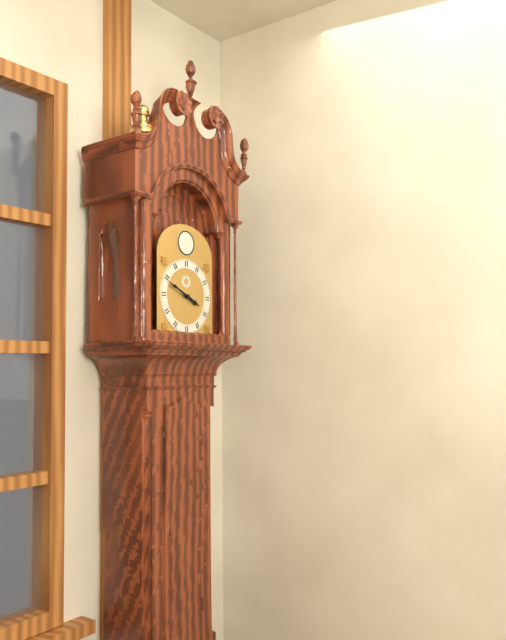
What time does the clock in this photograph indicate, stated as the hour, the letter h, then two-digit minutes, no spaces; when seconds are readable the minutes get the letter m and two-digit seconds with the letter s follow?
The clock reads 3h49
